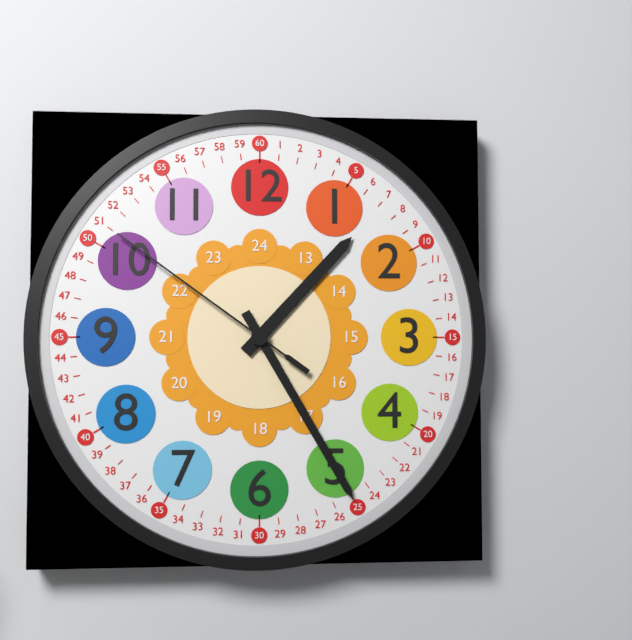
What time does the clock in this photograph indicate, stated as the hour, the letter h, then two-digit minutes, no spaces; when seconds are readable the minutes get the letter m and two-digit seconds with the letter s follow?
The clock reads 1h25m51s
